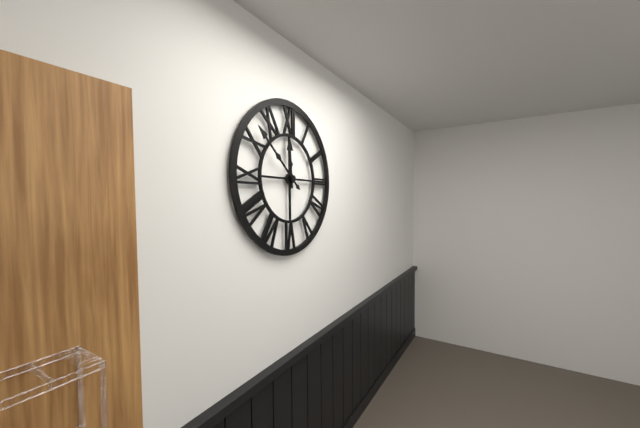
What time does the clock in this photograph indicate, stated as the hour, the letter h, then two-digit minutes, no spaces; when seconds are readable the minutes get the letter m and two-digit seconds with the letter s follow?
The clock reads 11h52
